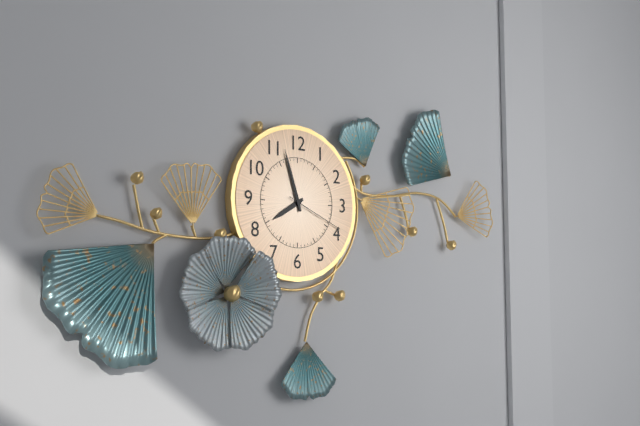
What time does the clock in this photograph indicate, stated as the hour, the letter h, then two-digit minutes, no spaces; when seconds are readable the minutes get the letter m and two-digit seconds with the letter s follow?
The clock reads 7h57m19s
